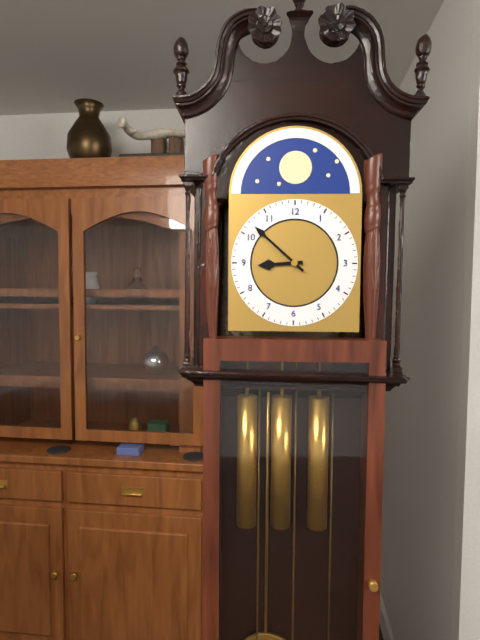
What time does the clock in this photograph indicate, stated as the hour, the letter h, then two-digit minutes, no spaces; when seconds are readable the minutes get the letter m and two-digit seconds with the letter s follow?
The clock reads 8h52
